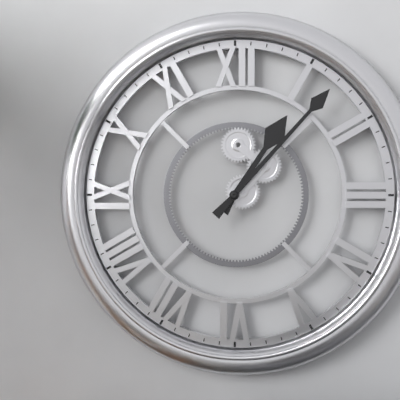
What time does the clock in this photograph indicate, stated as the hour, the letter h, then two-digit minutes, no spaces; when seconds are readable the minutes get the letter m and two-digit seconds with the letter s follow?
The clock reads 1h07
